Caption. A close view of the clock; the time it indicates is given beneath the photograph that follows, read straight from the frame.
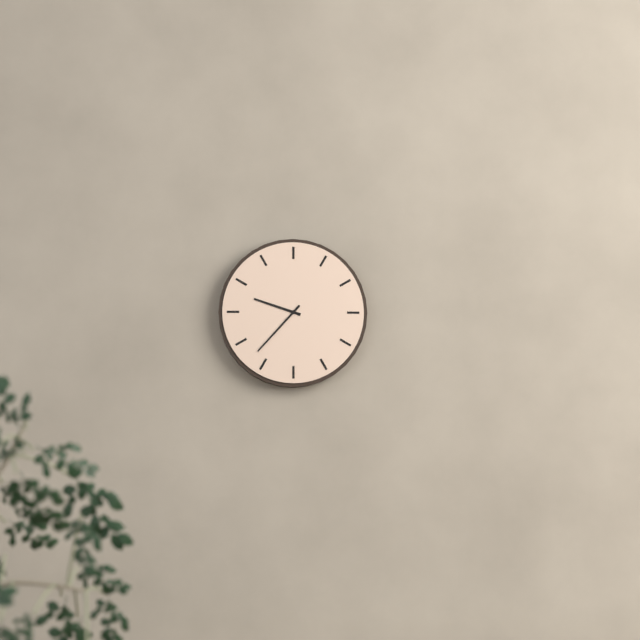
9:37
